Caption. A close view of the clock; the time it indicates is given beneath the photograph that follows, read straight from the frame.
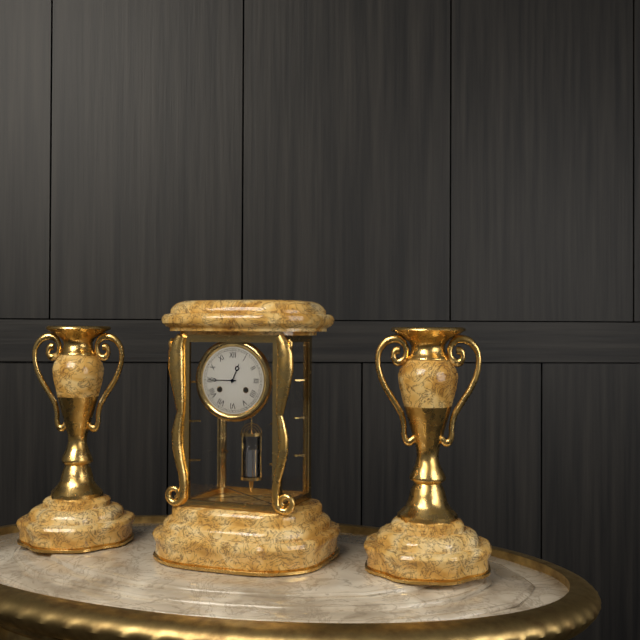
12:45
